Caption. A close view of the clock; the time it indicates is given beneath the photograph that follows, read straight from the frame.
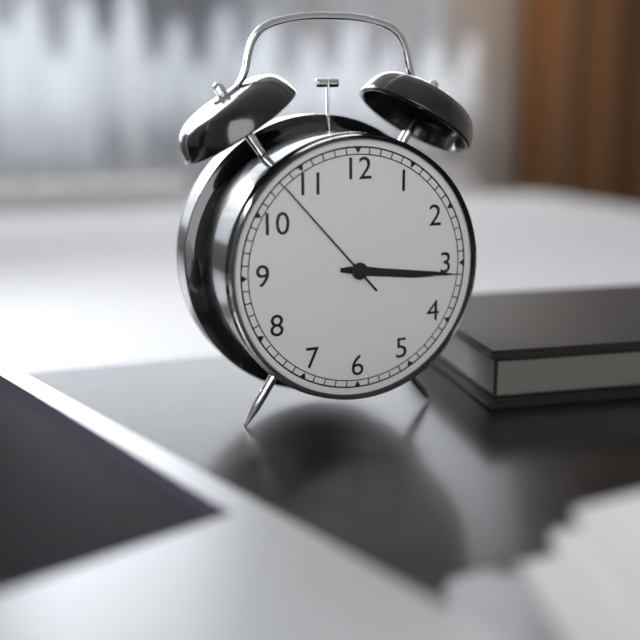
3:16:53
